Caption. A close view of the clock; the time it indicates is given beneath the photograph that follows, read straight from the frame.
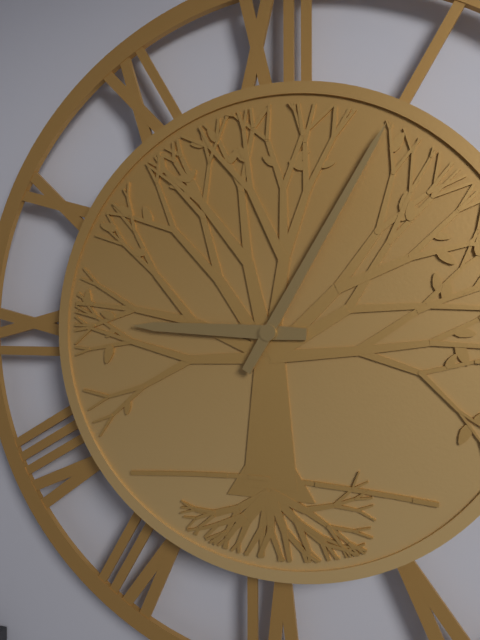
9:05
